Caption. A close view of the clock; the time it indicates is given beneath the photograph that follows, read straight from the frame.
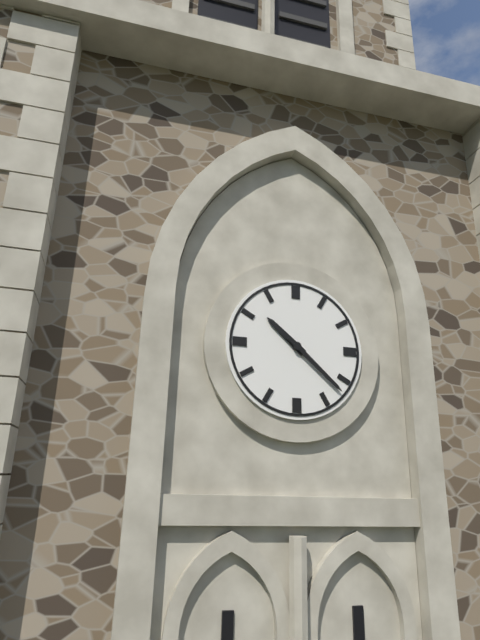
10:22
